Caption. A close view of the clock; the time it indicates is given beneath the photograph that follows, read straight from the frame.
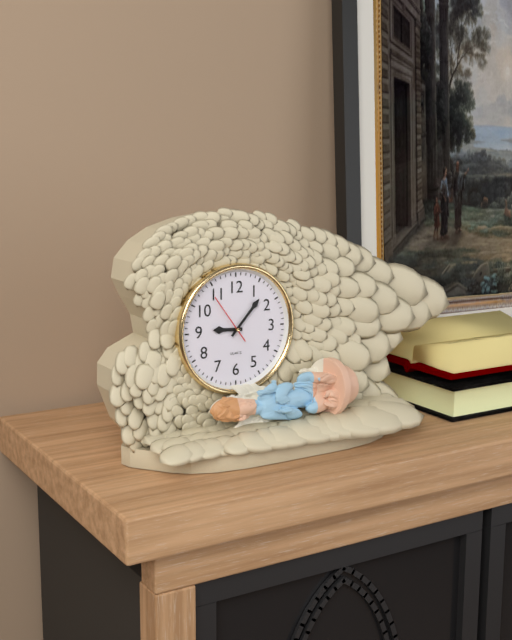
9:07
